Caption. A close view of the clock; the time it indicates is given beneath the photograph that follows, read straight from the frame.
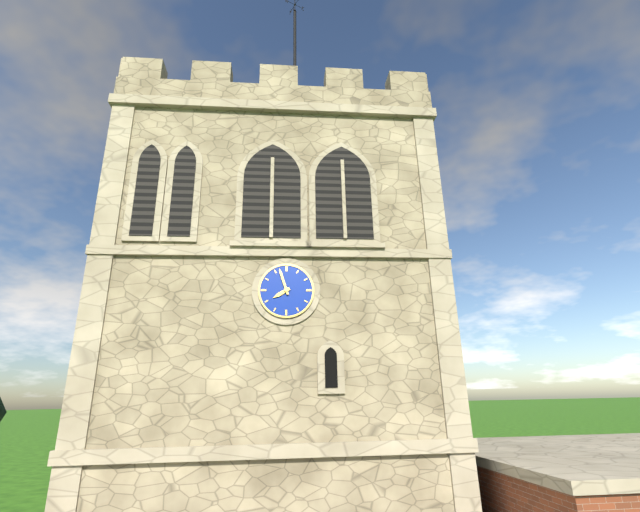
7:57
